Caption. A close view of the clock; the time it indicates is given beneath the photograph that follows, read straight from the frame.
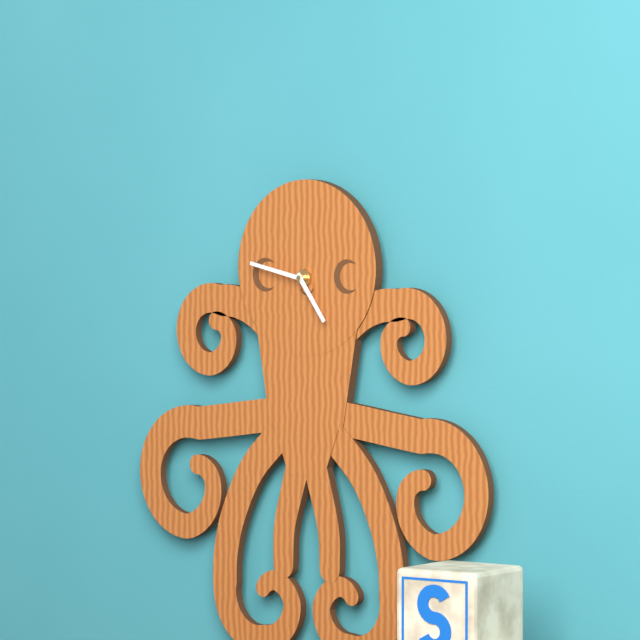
4:47
